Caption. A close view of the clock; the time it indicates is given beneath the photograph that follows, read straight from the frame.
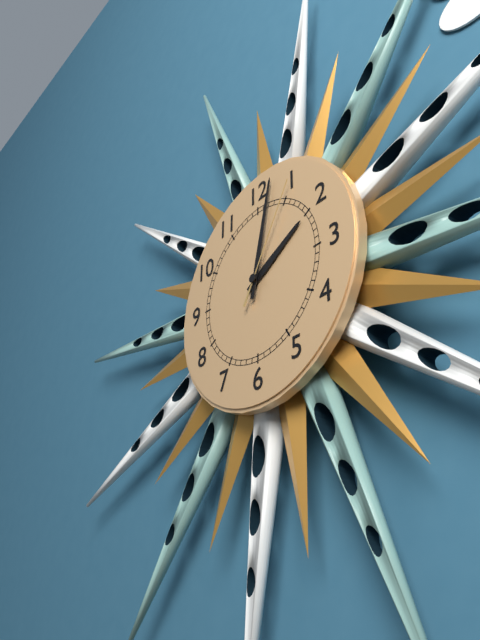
2:02:05
